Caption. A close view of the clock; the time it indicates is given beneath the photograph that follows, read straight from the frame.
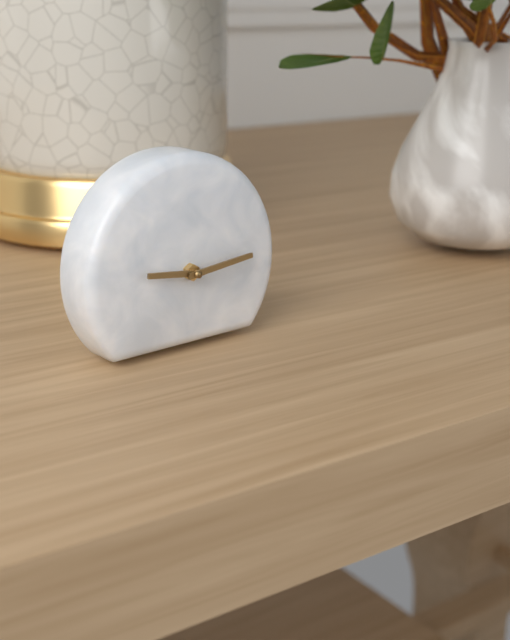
9:14
